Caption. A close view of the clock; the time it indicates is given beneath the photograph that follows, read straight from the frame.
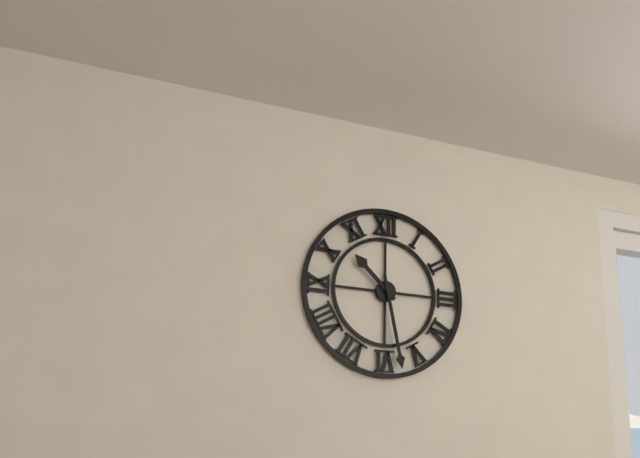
10:28
